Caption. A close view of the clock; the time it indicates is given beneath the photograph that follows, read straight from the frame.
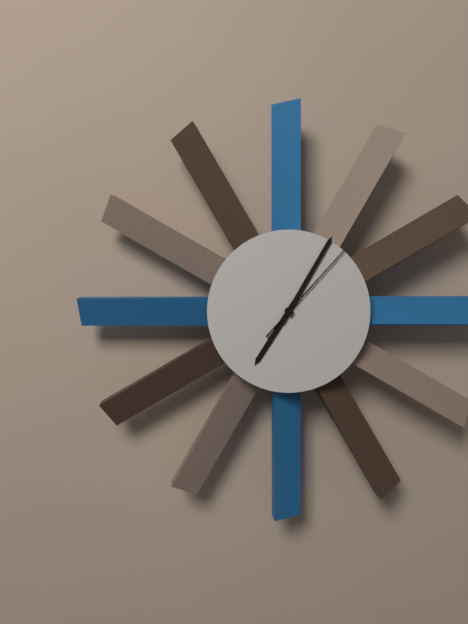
7:05:07
